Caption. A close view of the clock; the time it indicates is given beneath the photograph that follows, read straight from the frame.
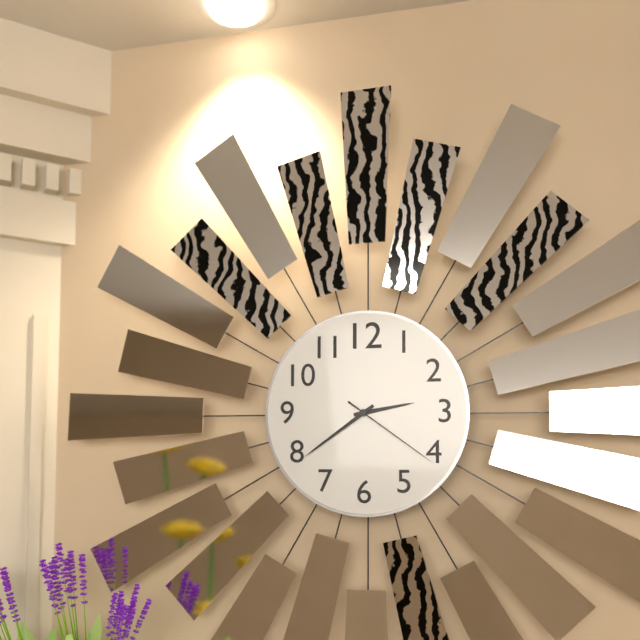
2:39:21
